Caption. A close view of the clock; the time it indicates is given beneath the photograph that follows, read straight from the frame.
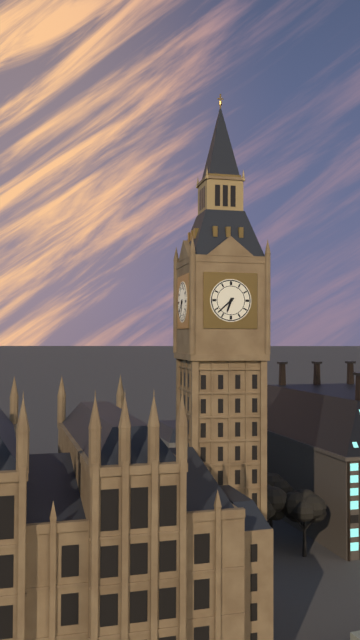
6:38
